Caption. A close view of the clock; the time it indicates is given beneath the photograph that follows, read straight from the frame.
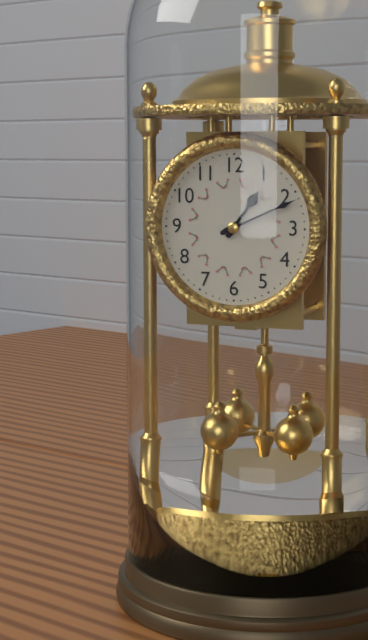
1:11
